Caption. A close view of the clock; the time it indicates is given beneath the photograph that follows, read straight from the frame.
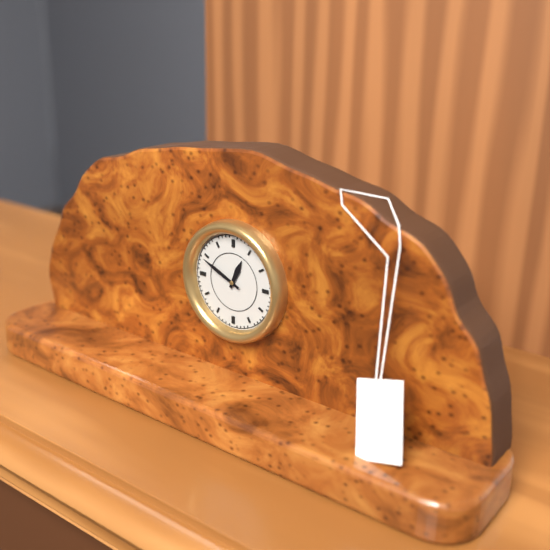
12:49
